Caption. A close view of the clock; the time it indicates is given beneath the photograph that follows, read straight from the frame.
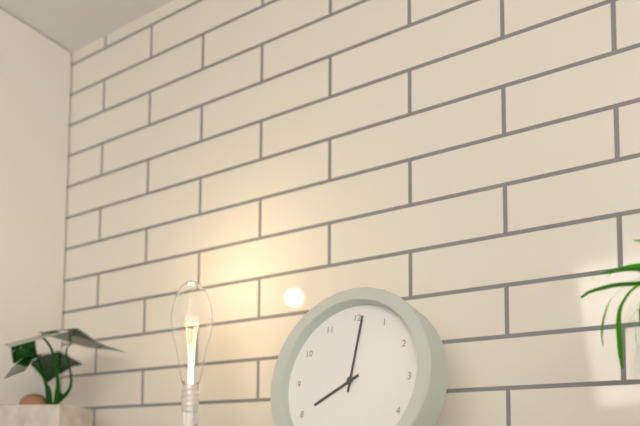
8:01
